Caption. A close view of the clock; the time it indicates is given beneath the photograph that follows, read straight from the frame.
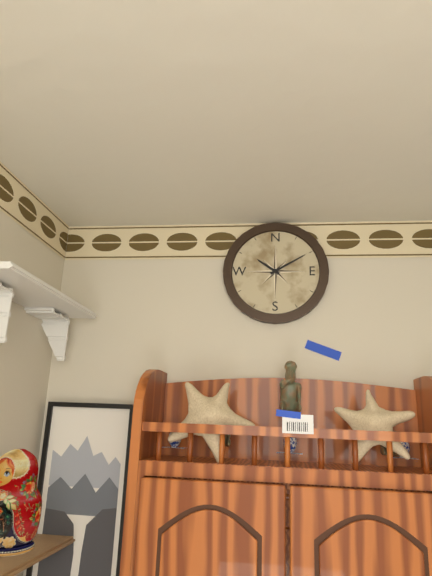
10:10
